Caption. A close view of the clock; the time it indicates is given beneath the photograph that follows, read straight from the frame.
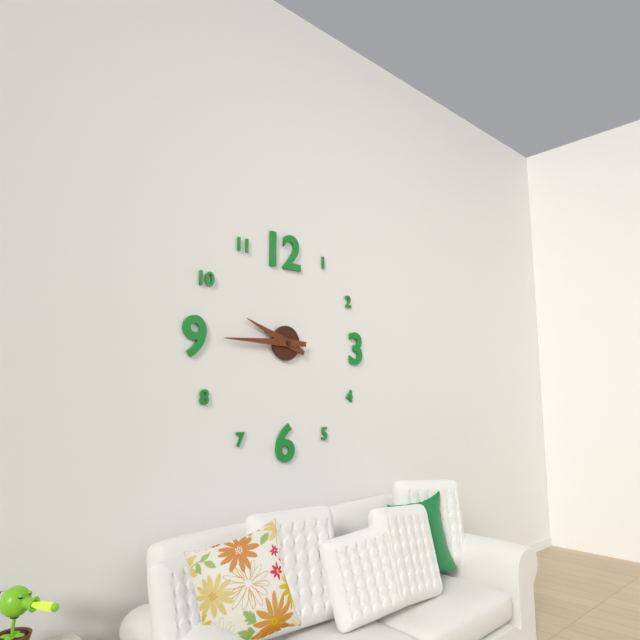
9:45
